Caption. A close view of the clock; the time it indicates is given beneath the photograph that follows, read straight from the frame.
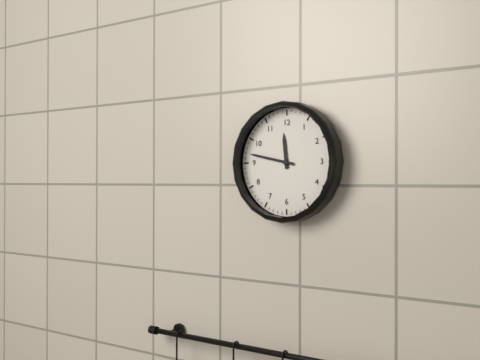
11:47
